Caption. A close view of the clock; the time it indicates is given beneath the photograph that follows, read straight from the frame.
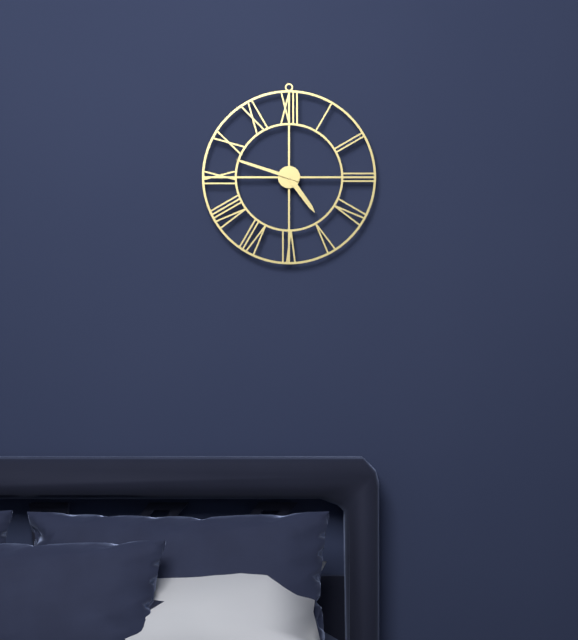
4:48
